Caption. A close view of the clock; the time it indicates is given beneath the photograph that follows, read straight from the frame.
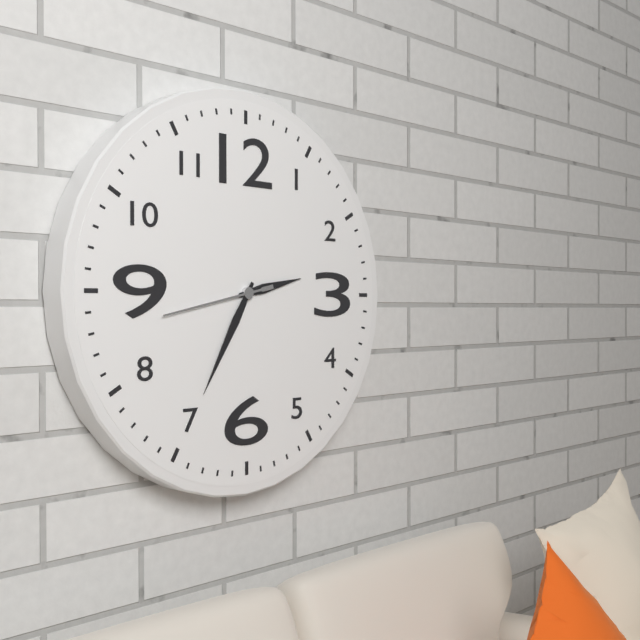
2:35:43
